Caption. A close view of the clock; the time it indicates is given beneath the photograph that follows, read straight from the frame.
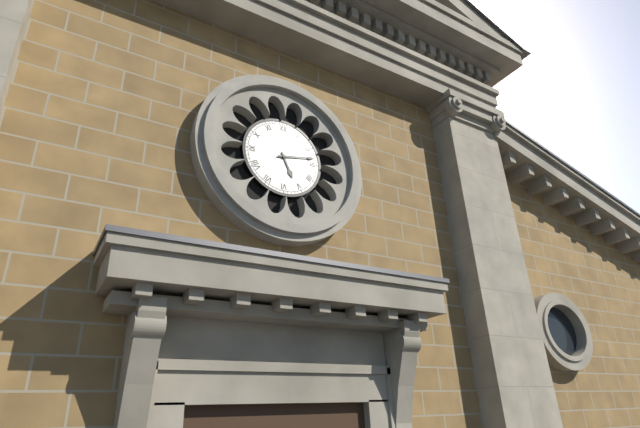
5:13
